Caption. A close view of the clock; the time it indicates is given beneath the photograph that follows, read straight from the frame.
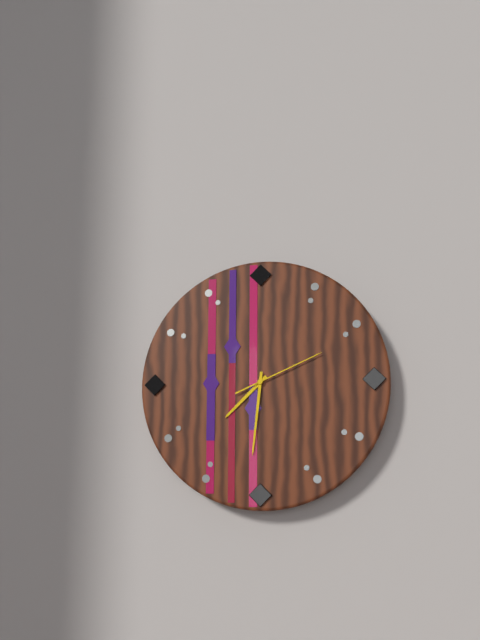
7:31:11
